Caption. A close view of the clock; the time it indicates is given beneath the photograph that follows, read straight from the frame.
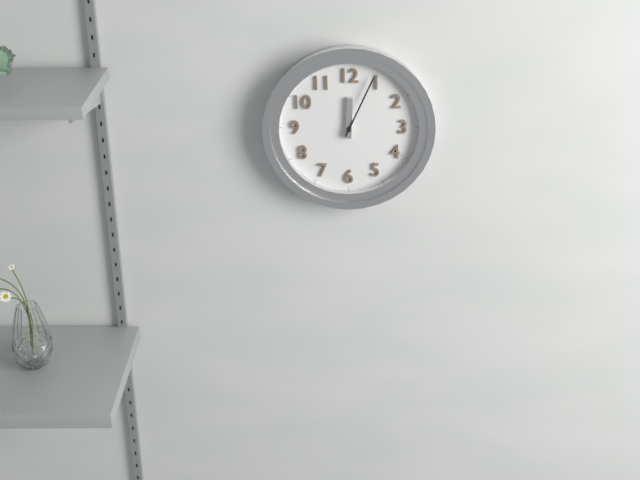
12:04
